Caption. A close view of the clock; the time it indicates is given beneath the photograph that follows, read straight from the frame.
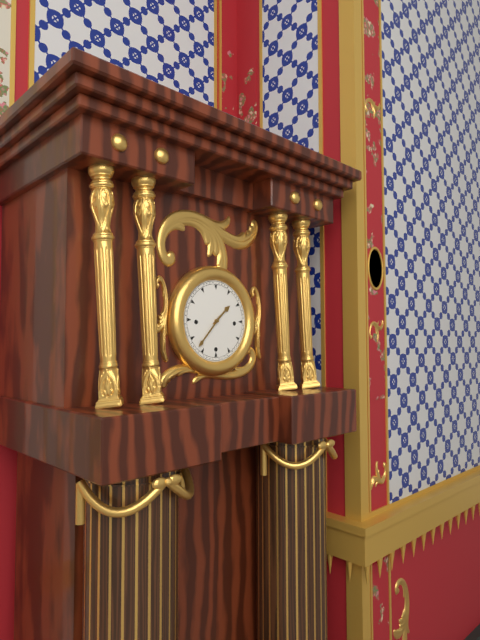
1:37
